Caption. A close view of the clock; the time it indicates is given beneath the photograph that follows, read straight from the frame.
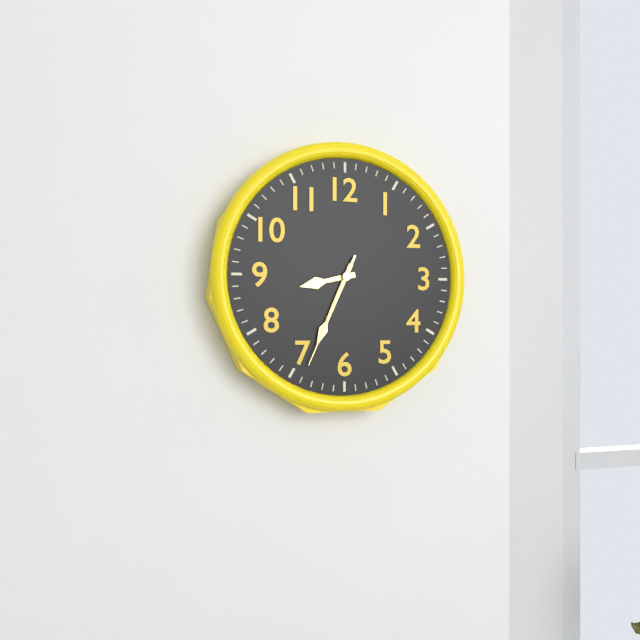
8:34:34
